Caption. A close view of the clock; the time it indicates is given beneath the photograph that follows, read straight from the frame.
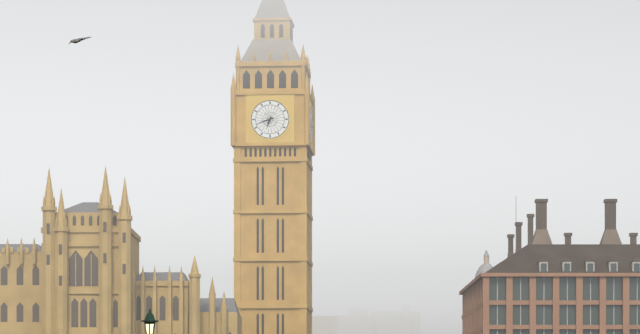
6:42
